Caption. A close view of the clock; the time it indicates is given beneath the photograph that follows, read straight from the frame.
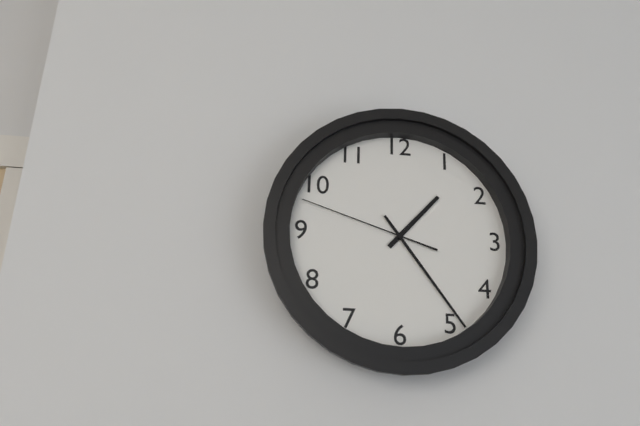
1:24:48
